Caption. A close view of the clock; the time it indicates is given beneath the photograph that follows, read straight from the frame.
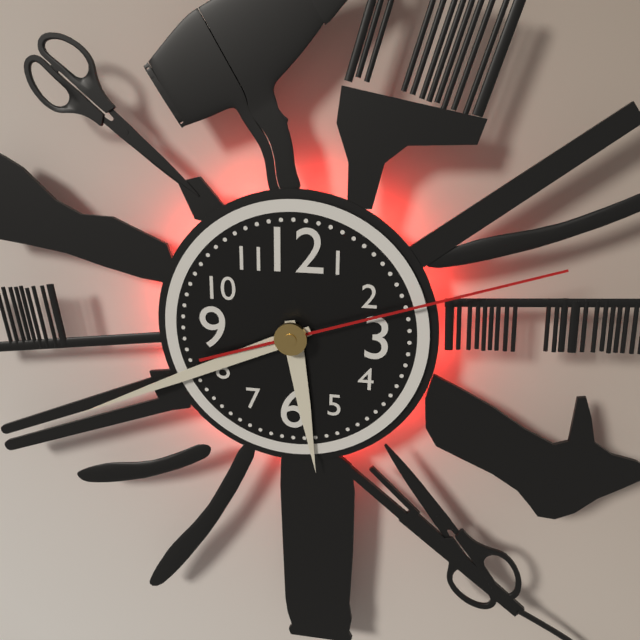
5:41:12
